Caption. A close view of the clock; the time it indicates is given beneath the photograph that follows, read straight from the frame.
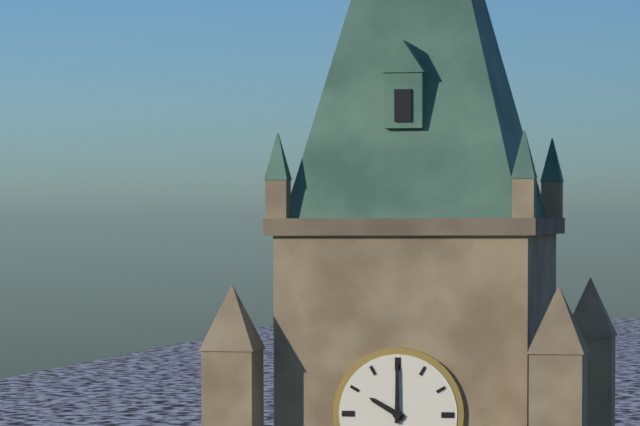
10:00
